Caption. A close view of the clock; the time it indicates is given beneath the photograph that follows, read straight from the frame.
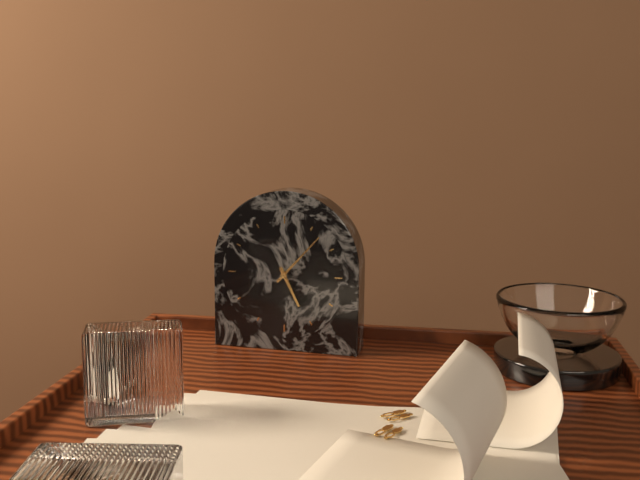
5:07
